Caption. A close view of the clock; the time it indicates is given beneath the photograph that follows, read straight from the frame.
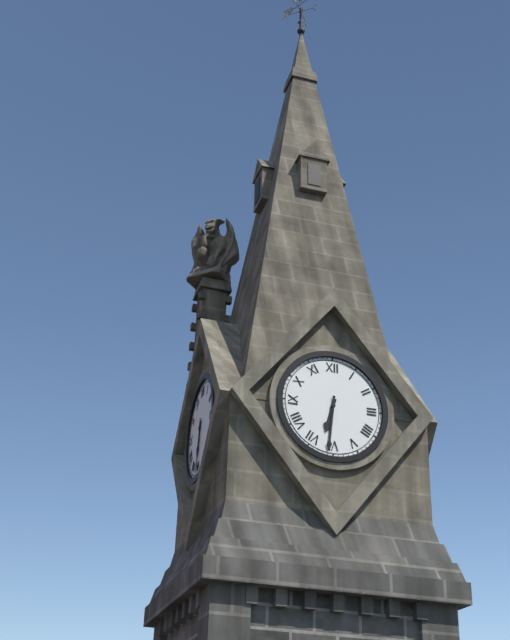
6:31
